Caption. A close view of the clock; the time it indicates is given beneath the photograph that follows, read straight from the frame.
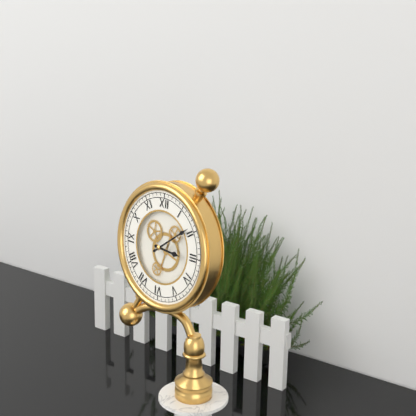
3:09
